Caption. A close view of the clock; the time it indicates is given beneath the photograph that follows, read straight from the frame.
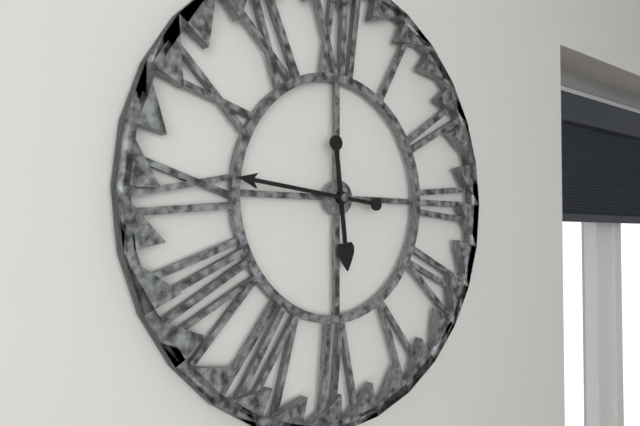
5:46
